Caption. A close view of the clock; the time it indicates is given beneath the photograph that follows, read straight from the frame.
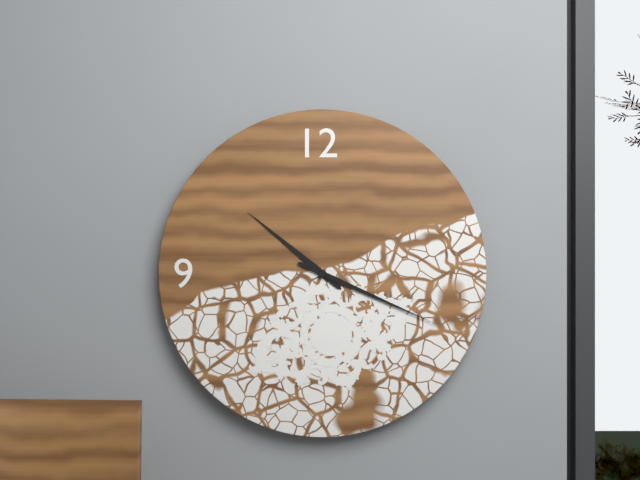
10:19
